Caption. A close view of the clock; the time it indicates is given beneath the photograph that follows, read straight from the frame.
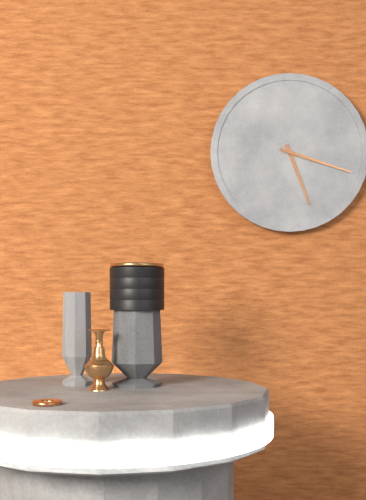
5:18
